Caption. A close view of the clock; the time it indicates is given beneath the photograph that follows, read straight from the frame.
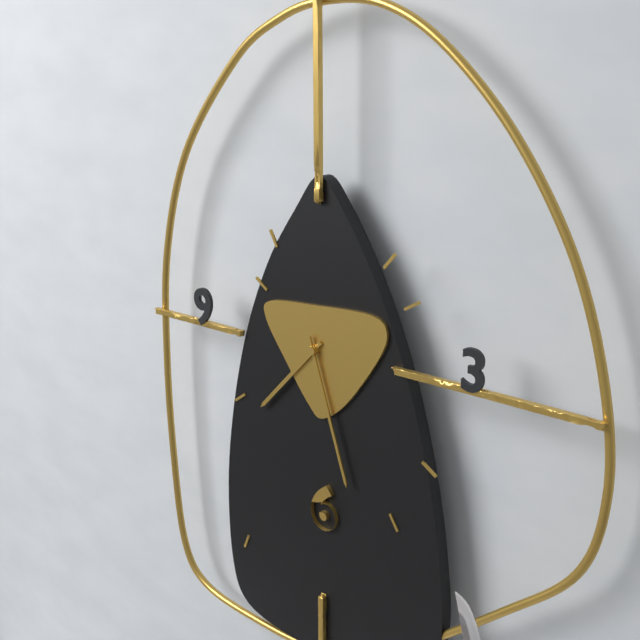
7:27
